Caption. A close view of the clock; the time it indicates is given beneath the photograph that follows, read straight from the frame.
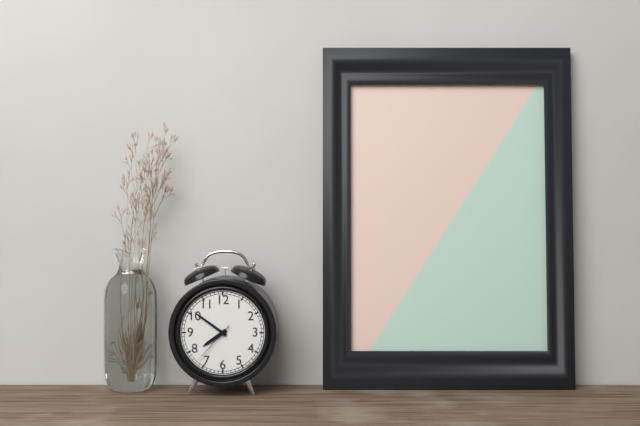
7:51
